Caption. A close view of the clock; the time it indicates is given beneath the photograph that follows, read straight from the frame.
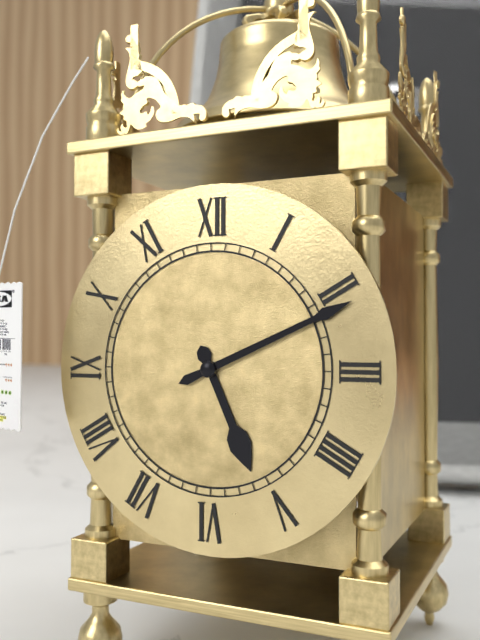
5:11
